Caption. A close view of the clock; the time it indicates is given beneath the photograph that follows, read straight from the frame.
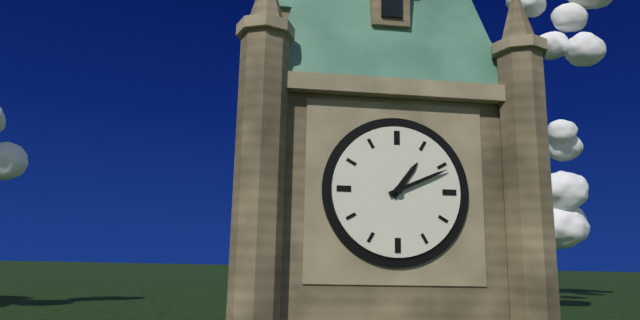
1:11
